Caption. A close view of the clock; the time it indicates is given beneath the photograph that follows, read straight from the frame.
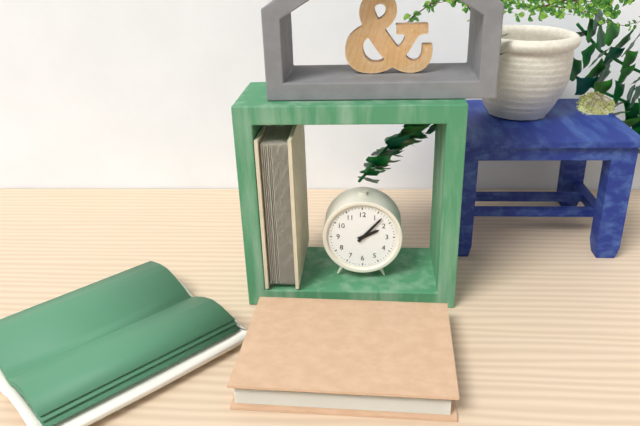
2:07
